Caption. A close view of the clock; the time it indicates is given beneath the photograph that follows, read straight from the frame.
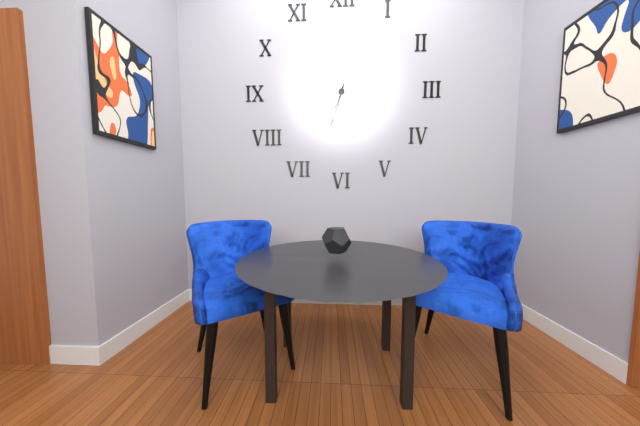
6:33
